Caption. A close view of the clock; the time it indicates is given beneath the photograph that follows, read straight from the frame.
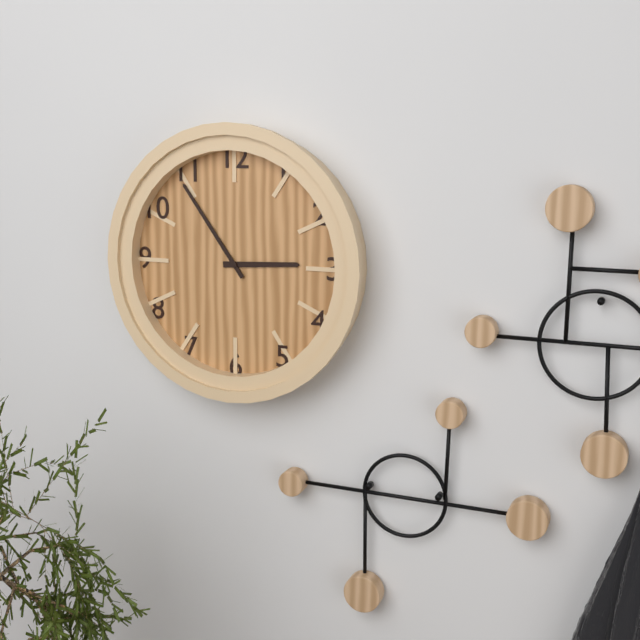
2:54
